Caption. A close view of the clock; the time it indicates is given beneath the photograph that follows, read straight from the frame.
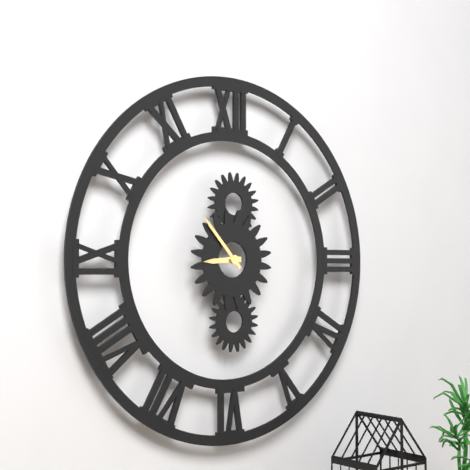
8:53
